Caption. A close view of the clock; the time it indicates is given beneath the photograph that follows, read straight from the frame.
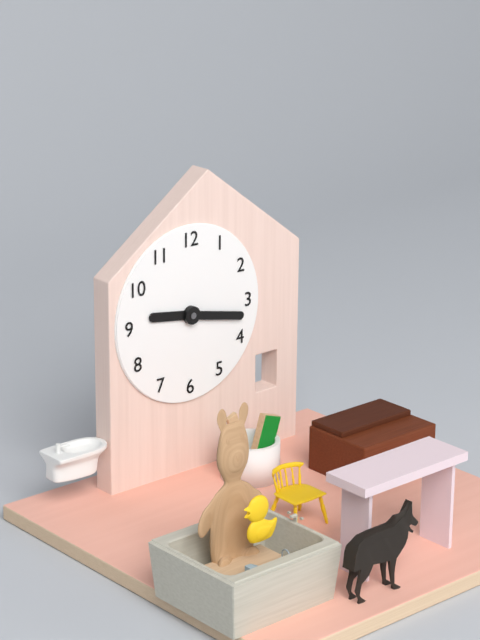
9:17
